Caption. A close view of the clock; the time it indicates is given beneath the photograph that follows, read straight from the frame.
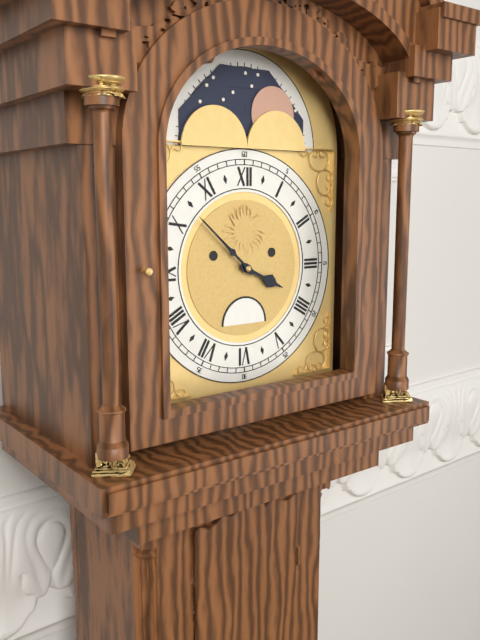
3:52
